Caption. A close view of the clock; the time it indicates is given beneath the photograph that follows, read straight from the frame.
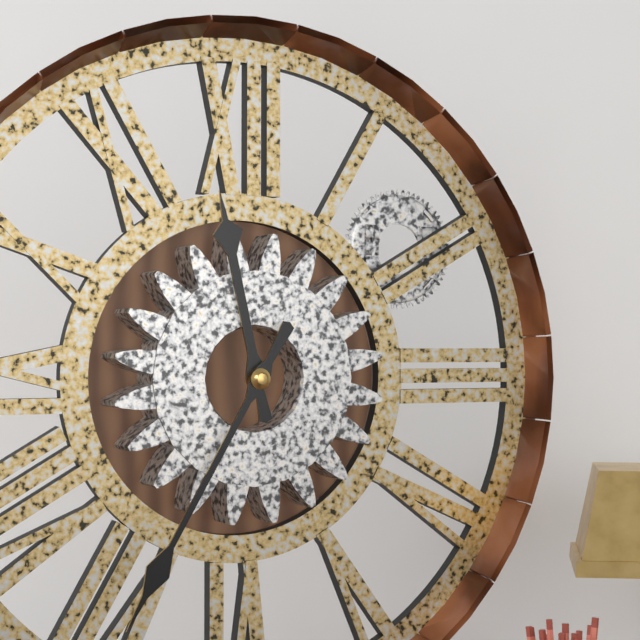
11:35
